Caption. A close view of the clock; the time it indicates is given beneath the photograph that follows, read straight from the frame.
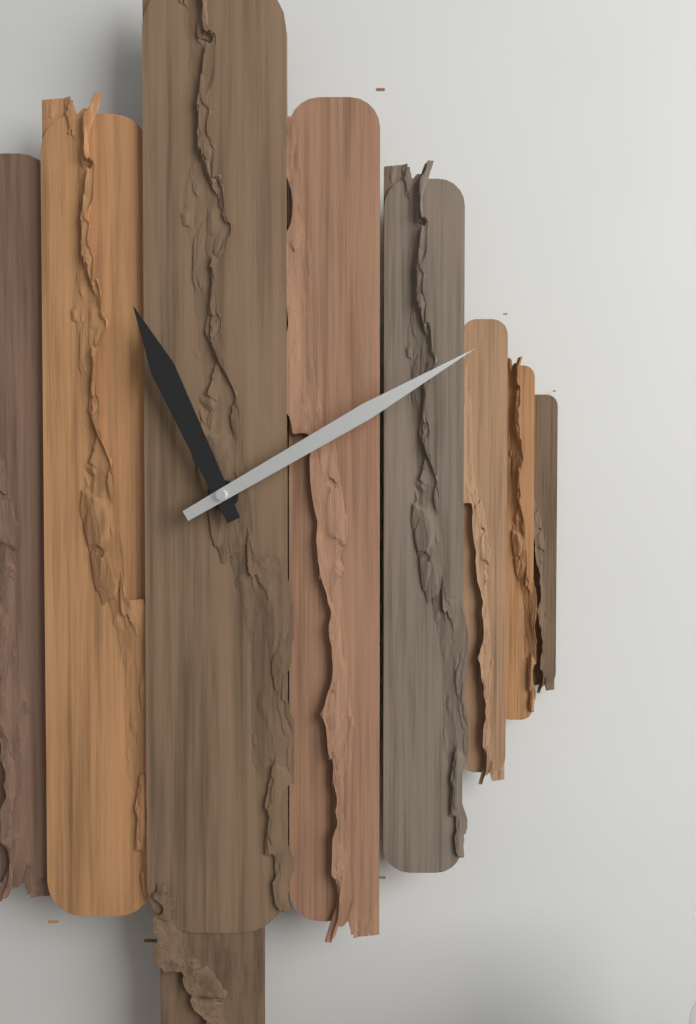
11:10
